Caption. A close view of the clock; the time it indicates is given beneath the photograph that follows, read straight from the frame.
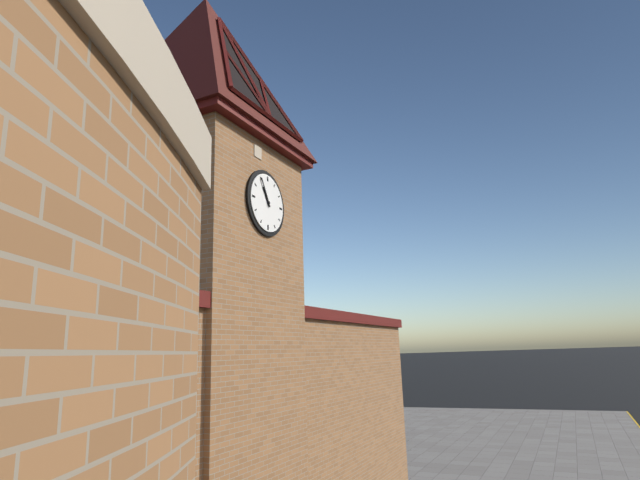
10:55
